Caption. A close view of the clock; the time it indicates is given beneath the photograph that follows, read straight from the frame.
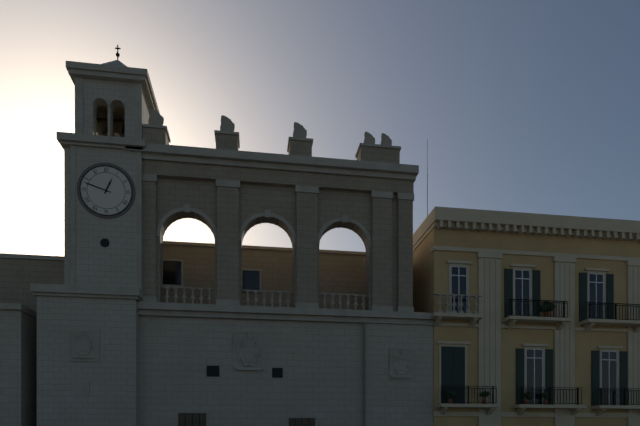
12:48
